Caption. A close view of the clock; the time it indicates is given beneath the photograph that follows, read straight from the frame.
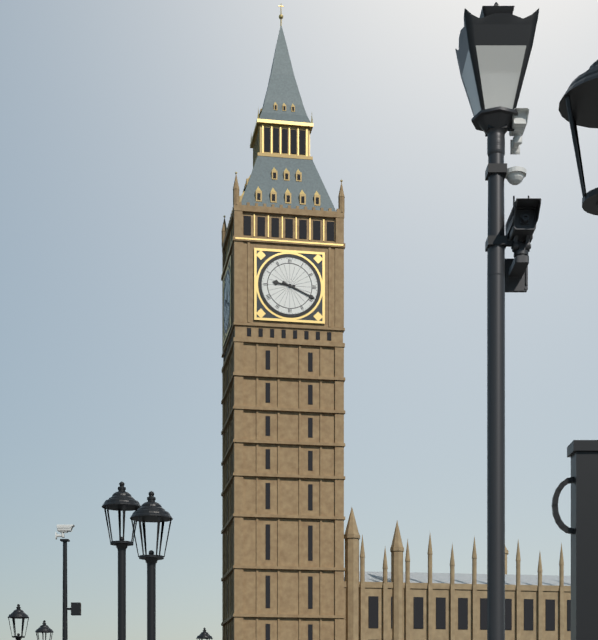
9:19
